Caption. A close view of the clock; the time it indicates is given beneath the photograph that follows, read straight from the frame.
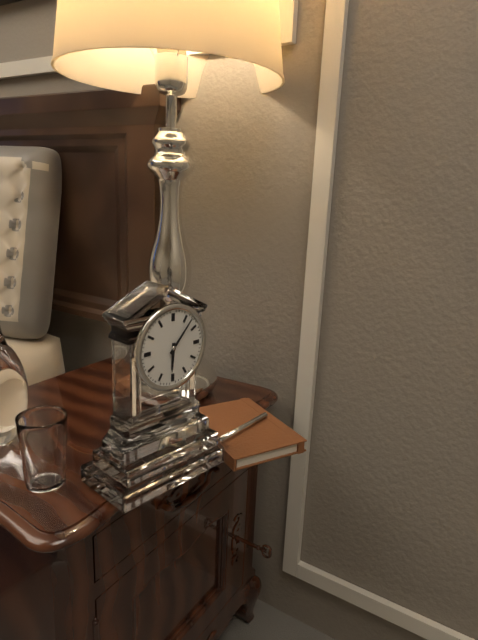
6:07
